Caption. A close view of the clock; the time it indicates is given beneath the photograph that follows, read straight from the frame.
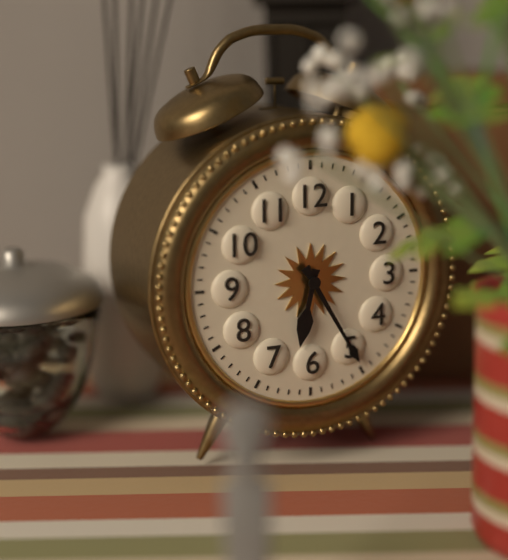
6:25
